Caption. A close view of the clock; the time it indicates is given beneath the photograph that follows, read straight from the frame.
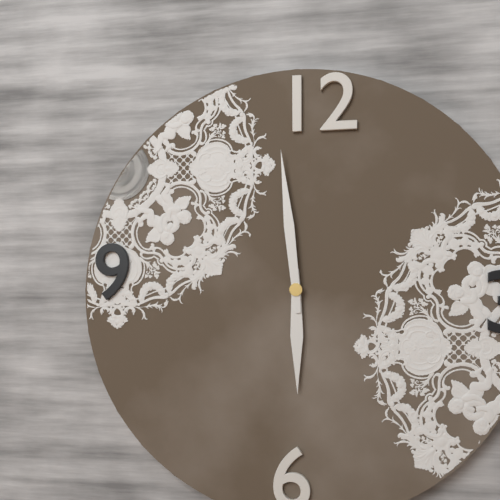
5:59
